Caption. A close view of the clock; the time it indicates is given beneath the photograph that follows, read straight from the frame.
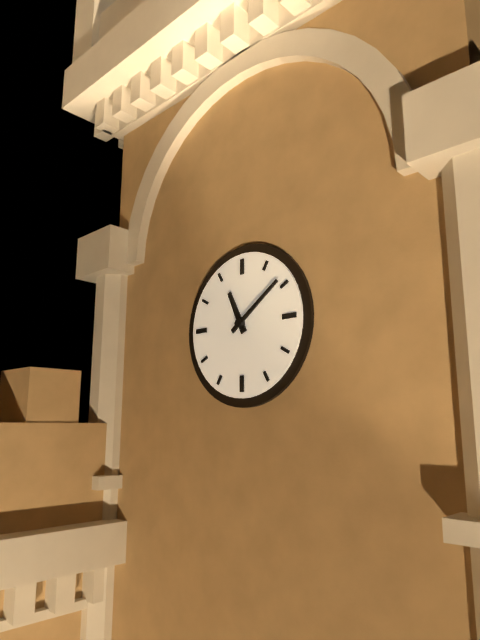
11:09
